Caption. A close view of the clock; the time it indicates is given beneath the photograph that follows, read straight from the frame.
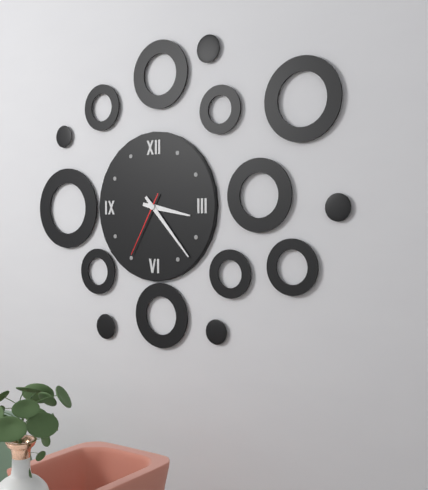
3:23:35
